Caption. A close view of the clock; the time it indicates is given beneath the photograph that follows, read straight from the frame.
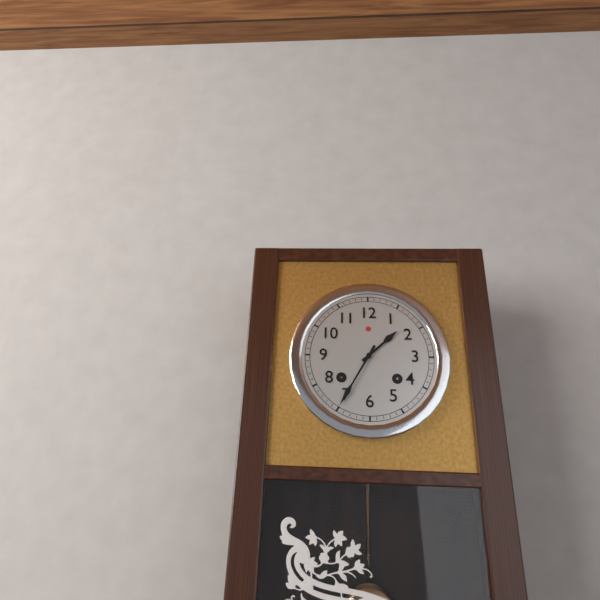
1:35
